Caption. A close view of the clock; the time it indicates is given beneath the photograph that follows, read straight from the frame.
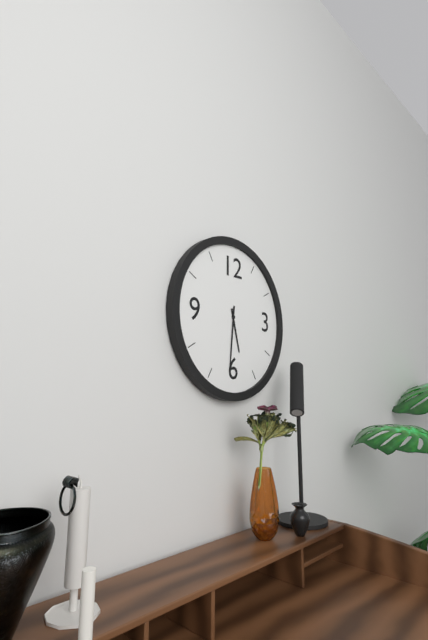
5:31
